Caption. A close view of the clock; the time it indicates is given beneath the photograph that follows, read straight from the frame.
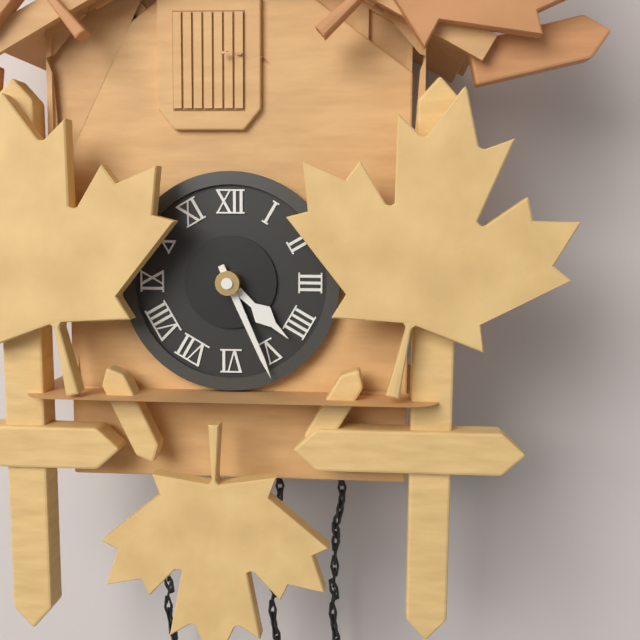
4:26
